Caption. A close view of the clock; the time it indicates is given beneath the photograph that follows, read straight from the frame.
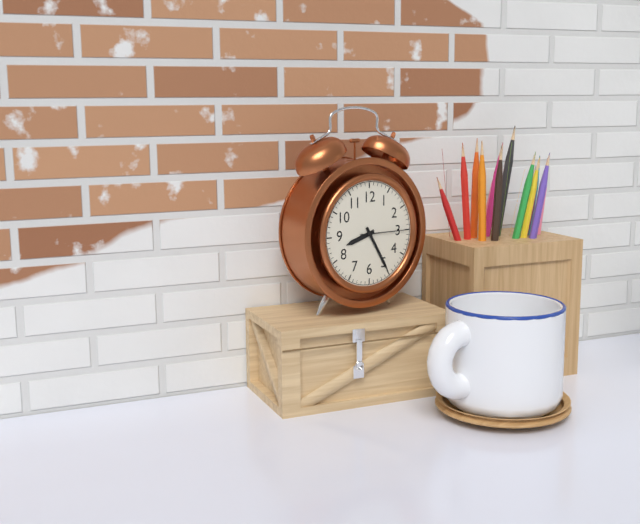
8:25
